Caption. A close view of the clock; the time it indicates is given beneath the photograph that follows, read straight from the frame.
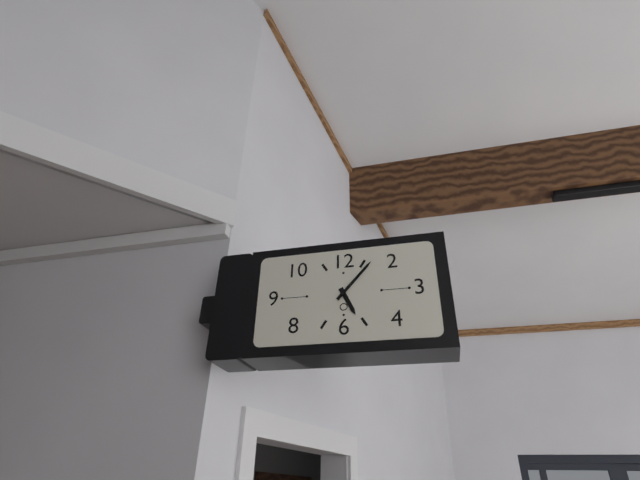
5:07
